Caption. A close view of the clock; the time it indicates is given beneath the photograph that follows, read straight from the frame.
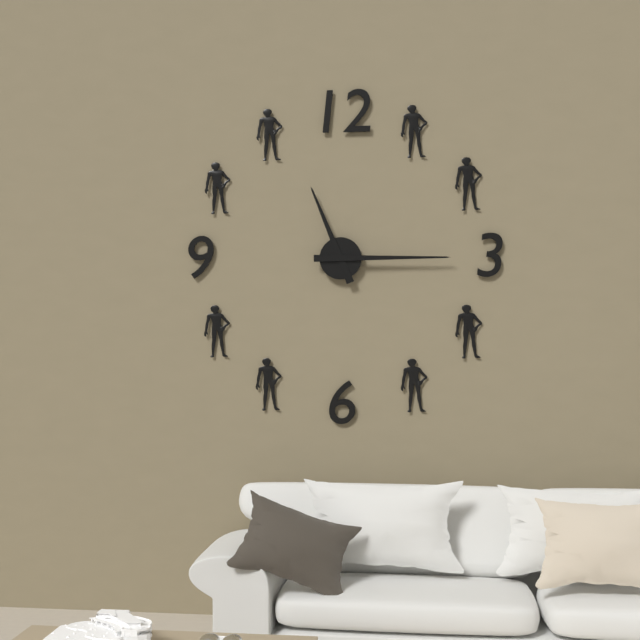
11:15
